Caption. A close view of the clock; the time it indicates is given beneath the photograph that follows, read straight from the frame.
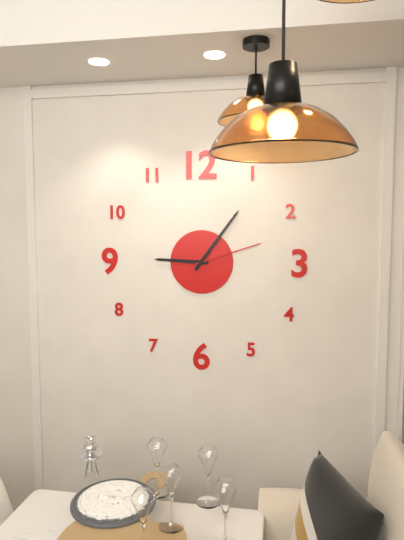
9:06:12
